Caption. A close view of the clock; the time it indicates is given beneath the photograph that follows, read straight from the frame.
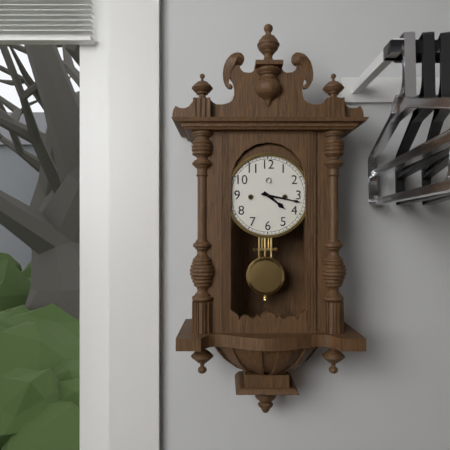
4:17
